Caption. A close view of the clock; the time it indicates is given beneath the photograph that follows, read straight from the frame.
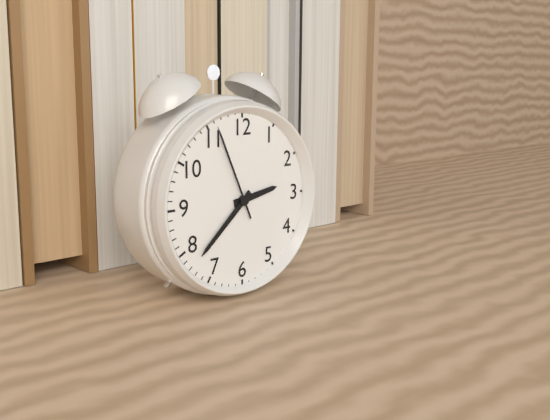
2:38:56
